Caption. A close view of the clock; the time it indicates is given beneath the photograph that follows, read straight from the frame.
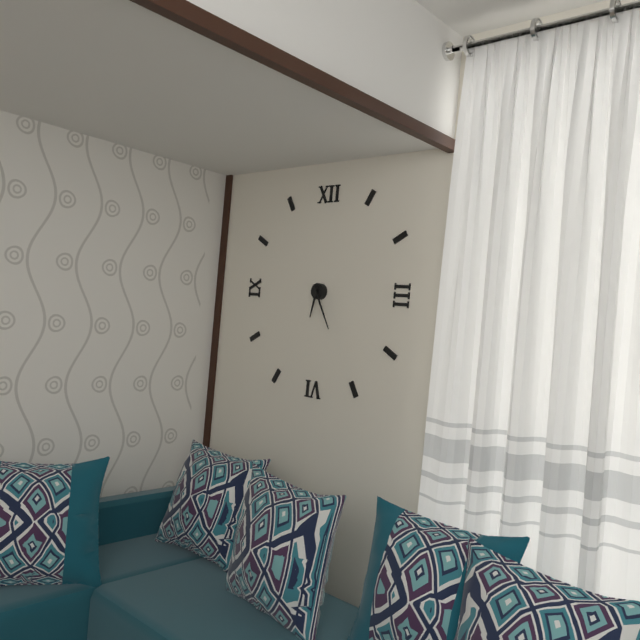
6:25
